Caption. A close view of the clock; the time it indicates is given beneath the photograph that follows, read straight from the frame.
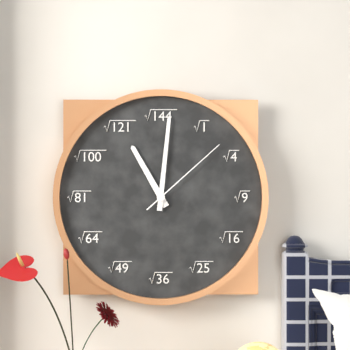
11:01:08
